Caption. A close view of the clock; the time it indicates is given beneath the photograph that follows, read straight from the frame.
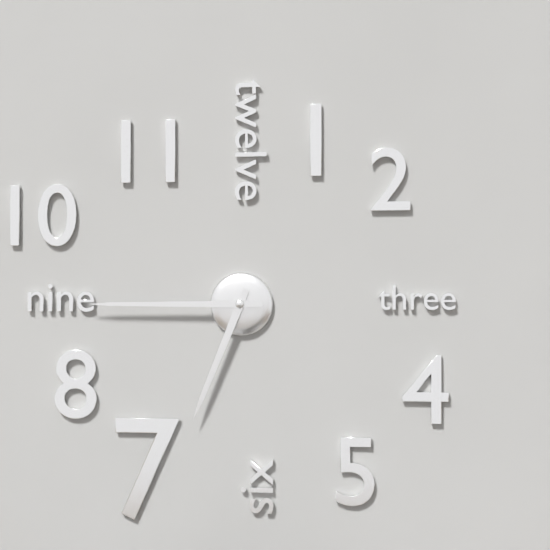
6:45
